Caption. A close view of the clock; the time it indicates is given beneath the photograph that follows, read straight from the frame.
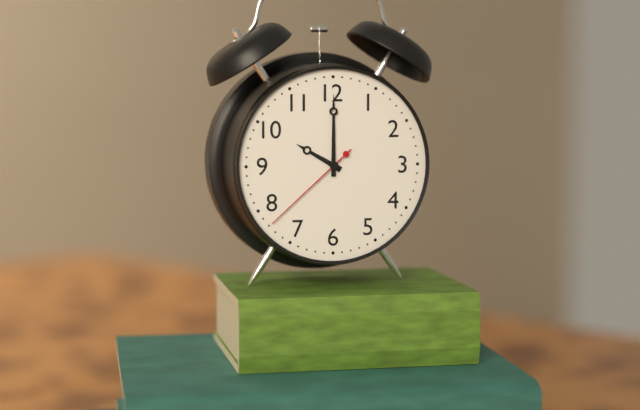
10:00:38
